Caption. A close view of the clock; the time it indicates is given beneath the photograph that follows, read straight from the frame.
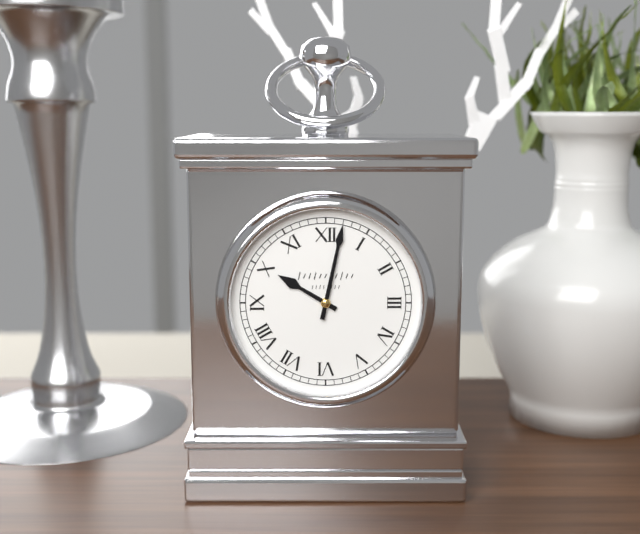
10:02
